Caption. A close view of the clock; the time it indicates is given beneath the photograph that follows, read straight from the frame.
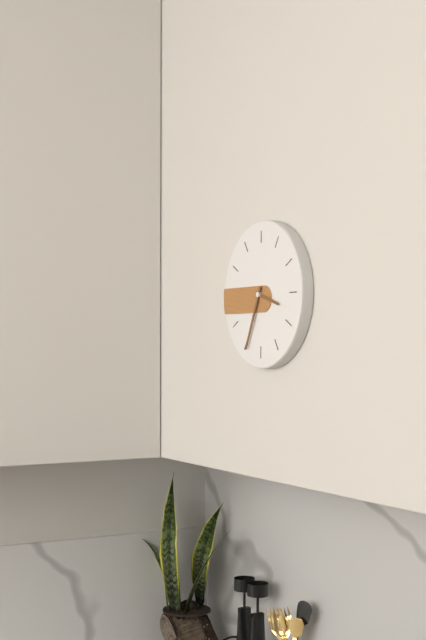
3:34
